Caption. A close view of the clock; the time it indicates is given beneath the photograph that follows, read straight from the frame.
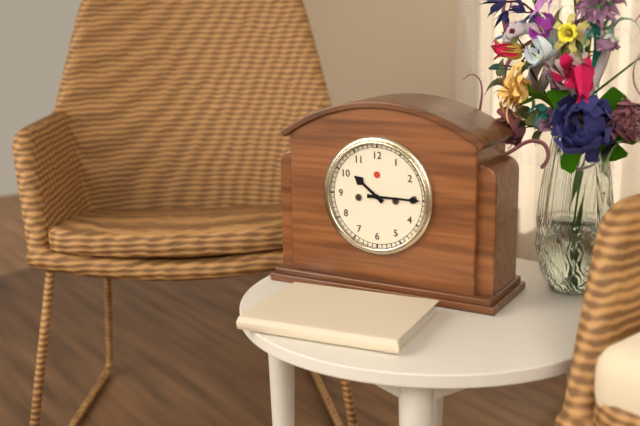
10:15
